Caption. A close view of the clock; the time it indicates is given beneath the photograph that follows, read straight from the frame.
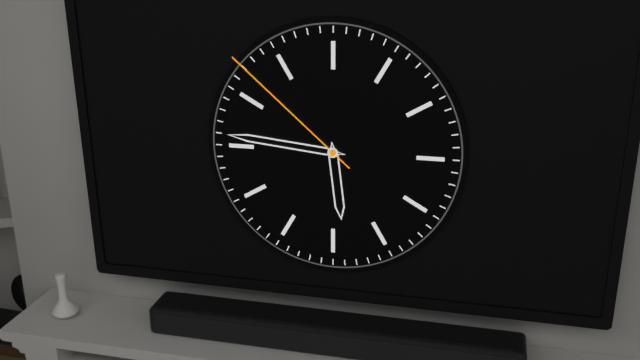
5:46:52
